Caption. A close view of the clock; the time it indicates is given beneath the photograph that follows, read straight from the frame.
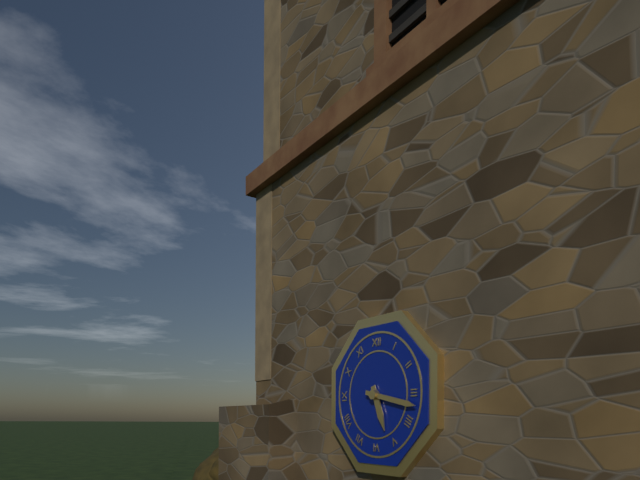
5:17
